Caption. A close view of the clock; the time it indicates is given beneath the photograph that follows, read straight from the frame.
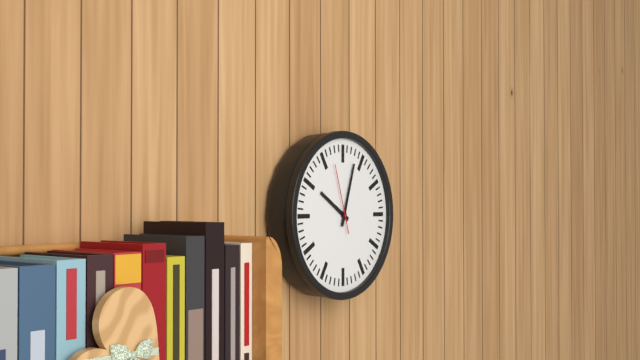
10:03:57
